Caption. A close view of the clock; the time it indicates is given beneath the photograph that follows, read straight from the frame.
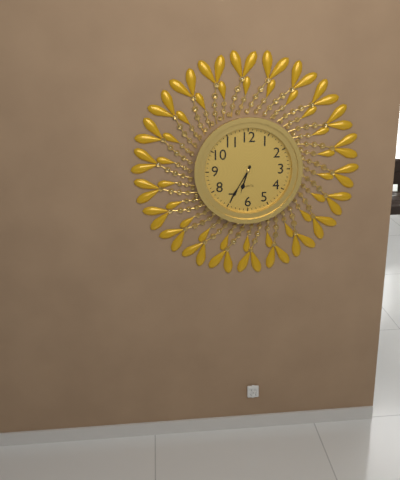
6:35
